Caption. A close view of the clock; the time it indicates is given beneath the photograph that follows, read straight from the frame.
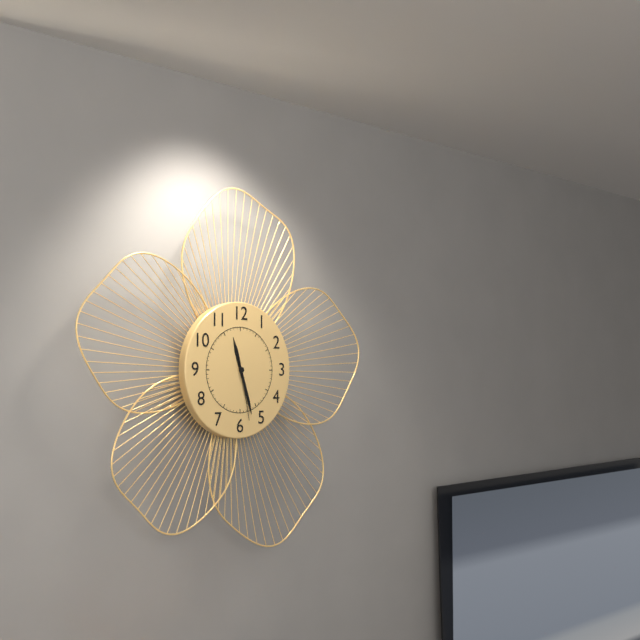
11:27:28
